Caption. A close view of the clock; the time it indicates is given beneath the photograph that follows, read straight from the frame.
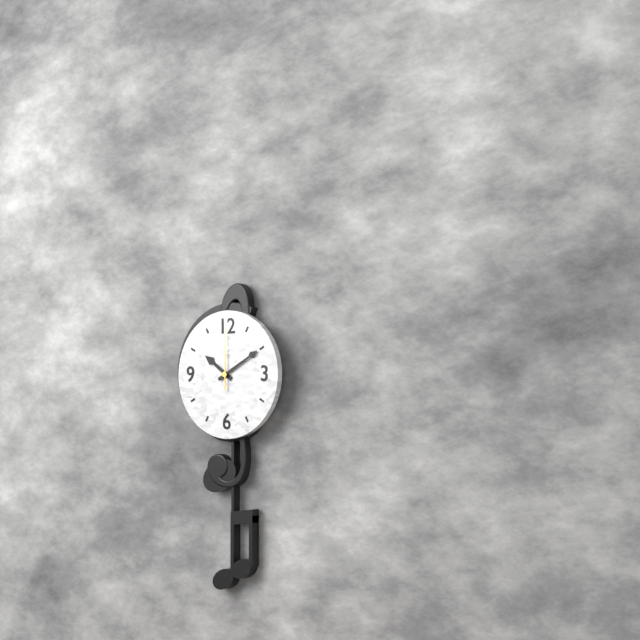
10:10:00
